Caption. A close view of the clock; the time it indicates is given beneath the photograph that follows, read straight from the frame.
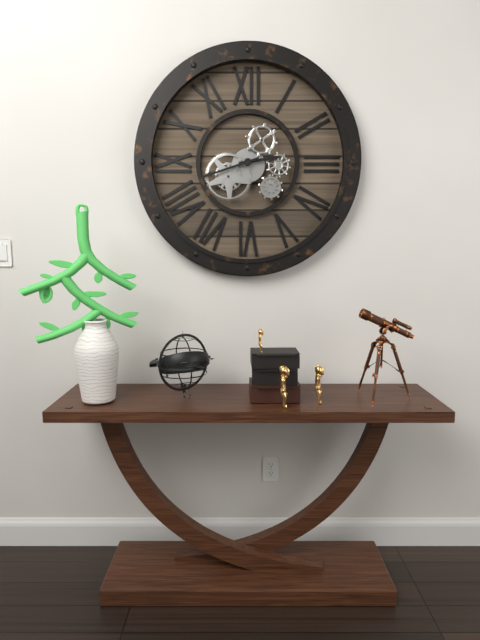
2:42
